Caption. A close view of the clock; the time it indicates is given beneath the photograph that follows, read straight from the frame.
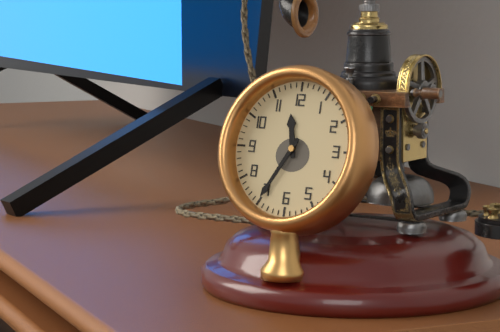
11:35
